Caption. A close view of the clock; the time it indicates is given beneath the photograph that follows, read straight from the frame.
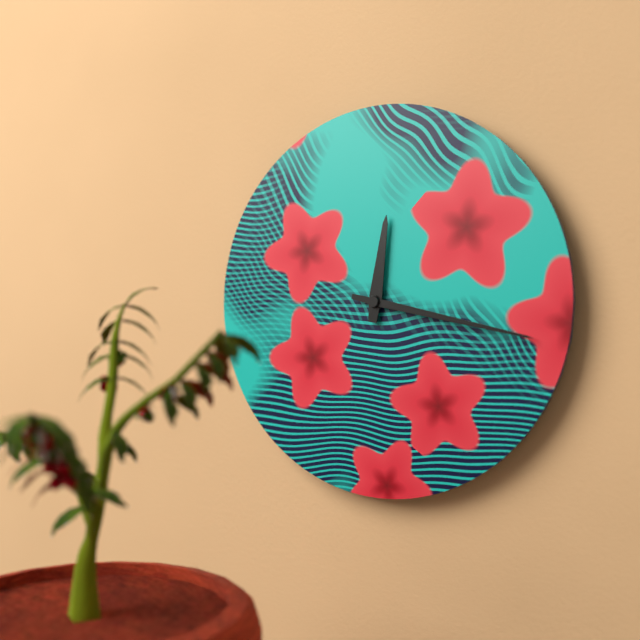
12:17
